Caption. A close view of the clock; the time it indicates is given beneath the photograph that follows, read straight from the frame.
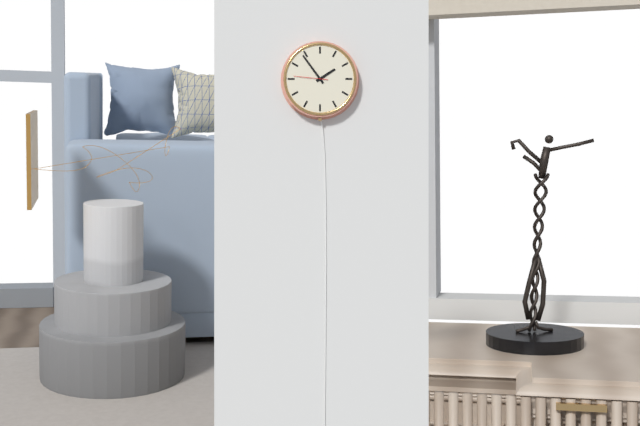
1:54
